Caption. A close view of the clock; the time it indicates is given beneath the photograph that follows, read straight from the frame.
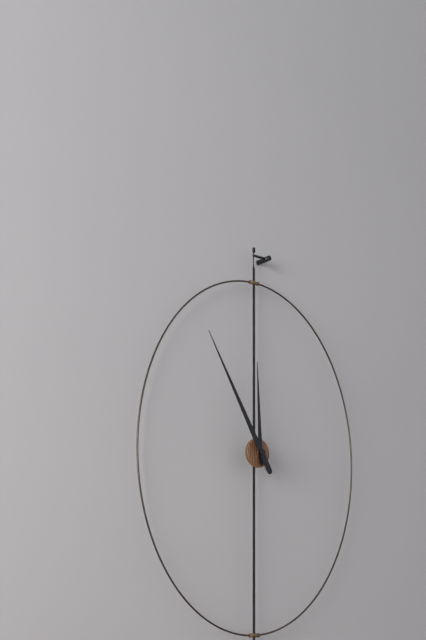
11:55
